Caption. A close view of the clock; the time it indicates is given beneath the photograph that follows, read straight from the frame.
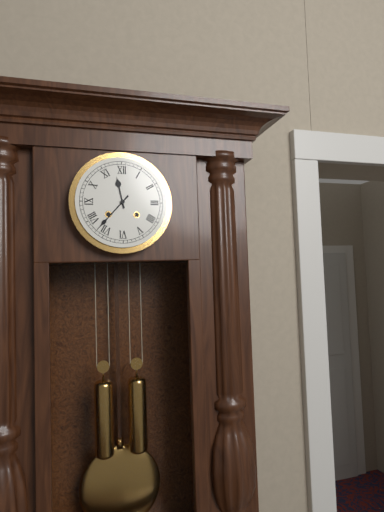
11:37
